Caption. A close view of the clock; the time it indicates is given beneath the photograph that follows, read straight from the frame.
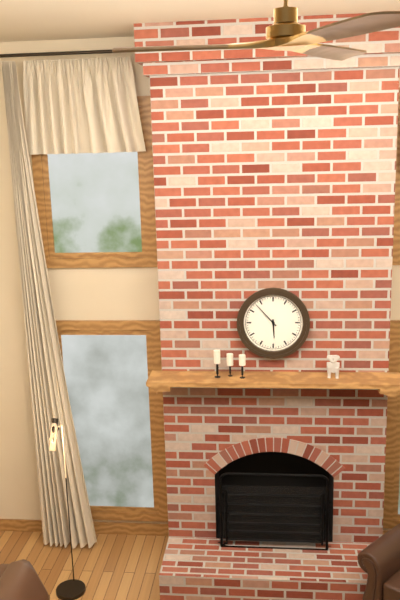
5:53
